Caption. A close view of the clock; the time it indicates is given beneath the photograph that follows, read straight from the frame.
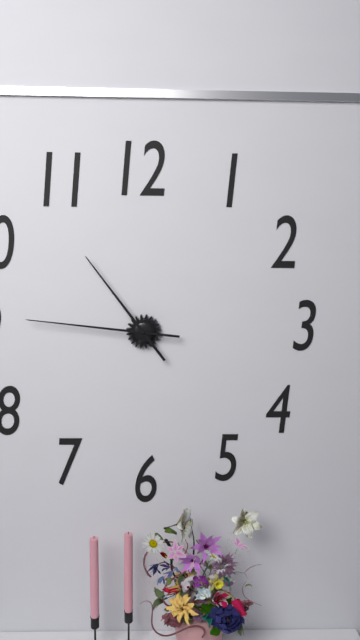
10:46
